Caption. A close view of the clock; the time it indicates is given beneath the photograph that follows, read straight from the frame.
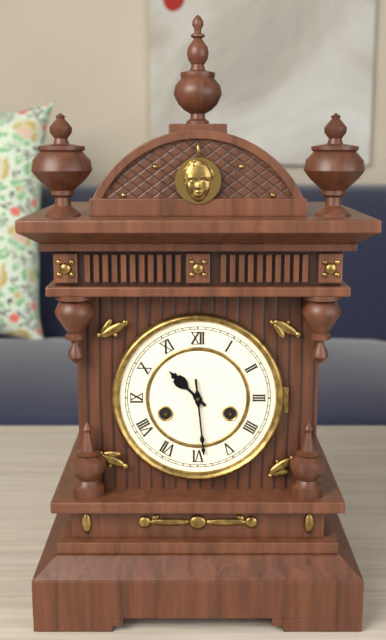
10:29
